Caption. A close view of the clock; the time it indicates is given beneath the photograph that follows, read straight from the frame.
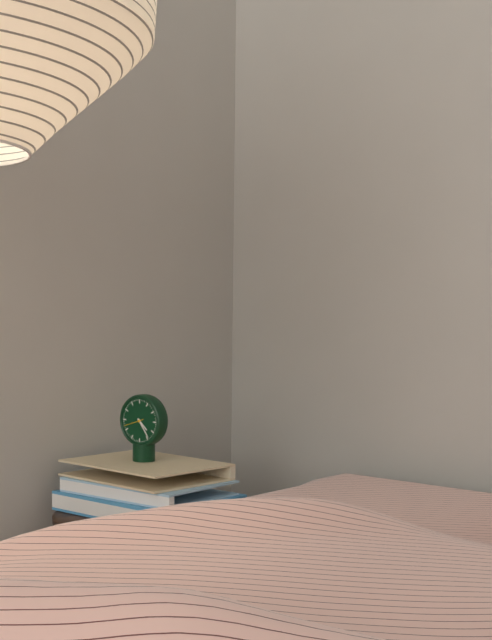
4:24
